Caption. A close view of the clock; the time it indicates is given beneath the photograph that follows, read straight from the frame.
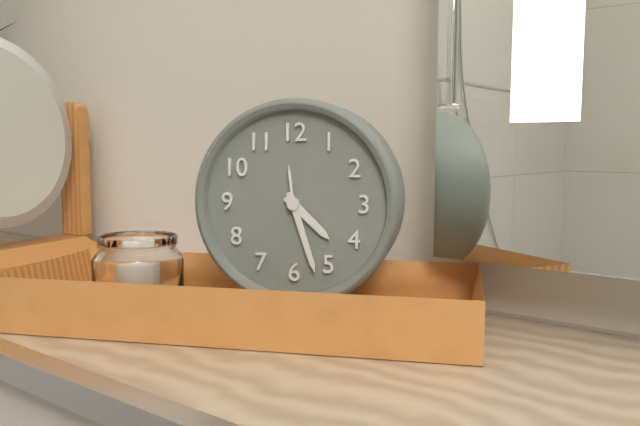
4:27
